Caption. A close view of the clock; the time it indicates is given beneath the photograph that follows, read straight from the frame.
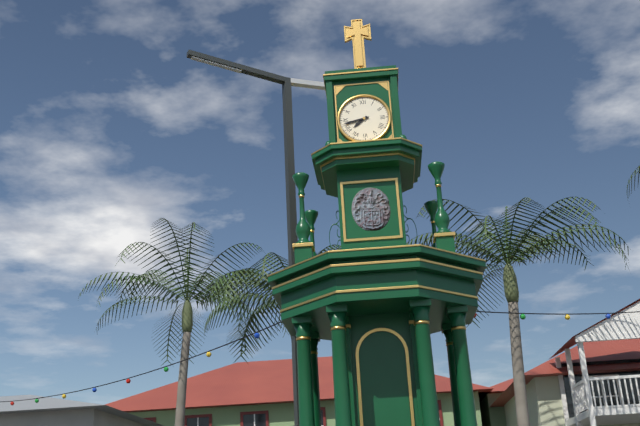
7:43
